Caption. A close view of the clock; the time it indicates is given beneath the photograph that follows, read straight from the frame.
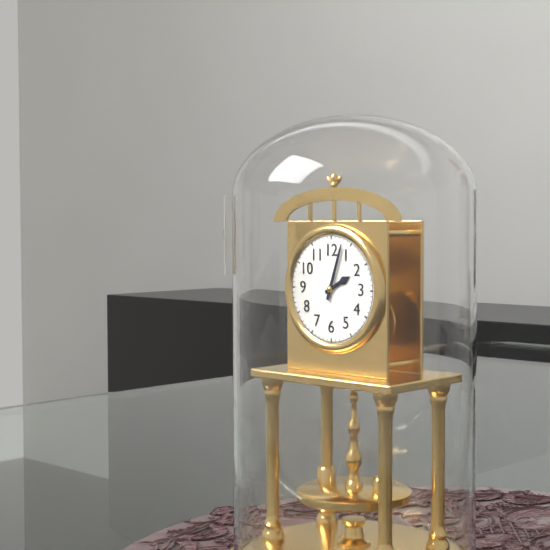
2:03
